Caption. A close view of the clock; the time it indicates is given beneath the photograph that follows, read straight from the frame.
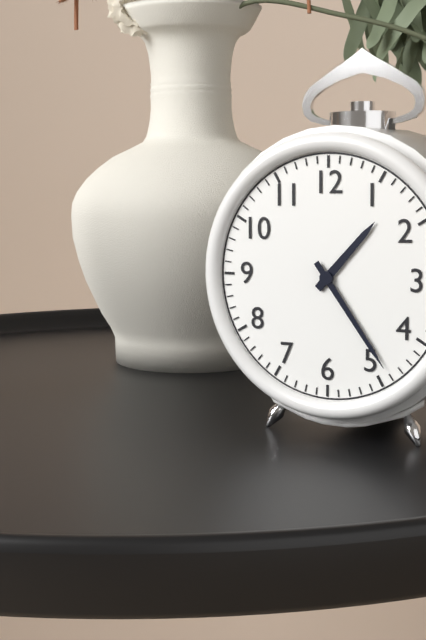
1:24
